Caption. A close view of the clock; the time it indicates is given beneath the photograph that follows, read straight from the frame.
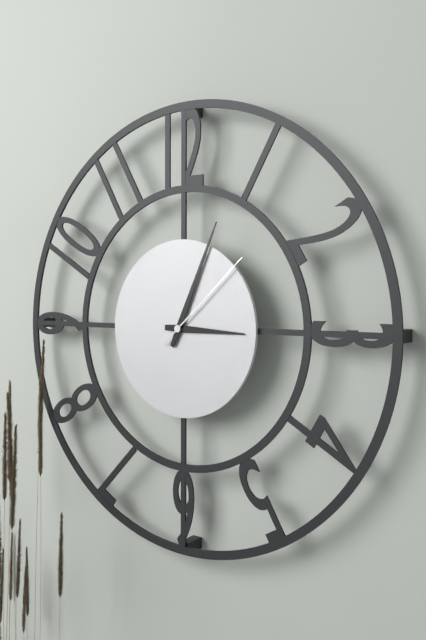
3:04:08
